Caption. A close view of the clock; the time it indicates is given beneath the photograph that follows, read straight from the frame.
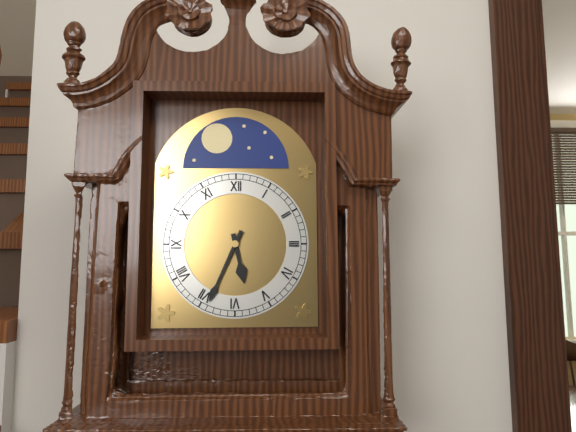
5:34
